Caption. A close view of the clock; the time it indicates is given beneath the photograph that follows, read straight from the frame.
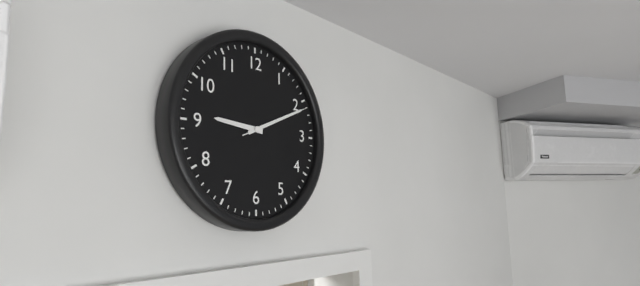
9:11:11
